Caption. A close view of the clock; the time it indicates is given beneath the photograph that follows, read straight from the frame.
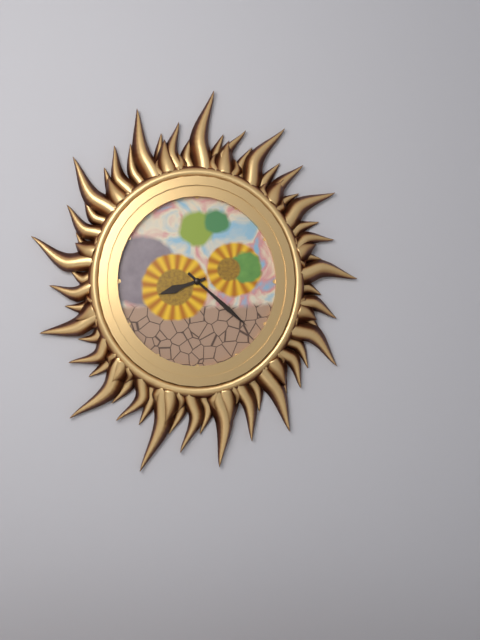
8:22
